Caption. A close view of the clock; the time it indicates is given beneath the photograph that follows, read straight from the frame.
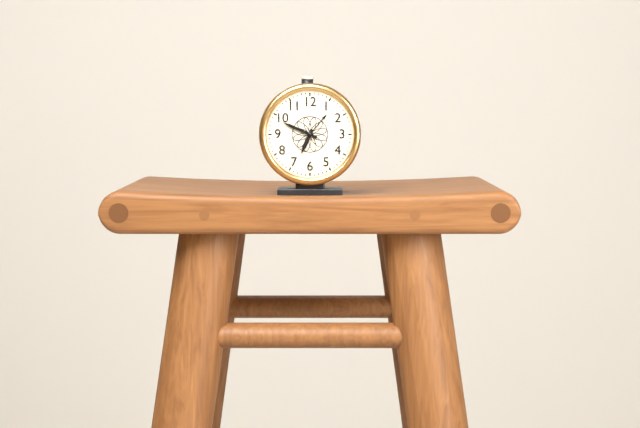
6:49
